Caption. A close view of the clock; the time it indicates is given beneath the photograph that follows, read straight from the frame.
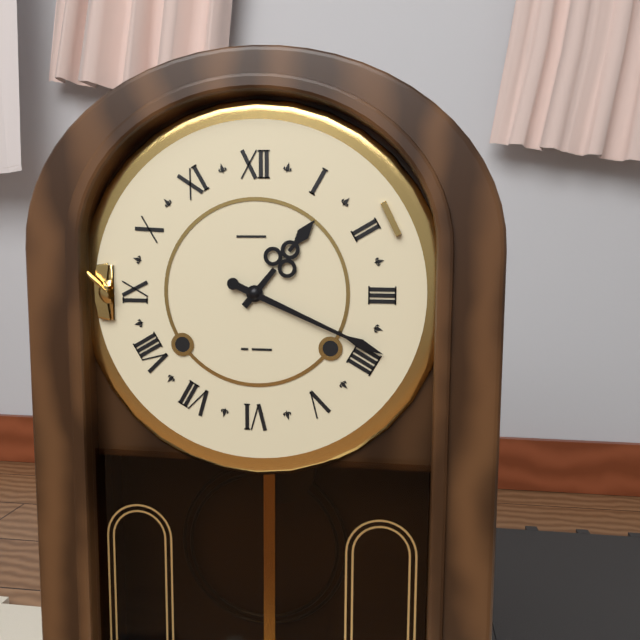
1:19
